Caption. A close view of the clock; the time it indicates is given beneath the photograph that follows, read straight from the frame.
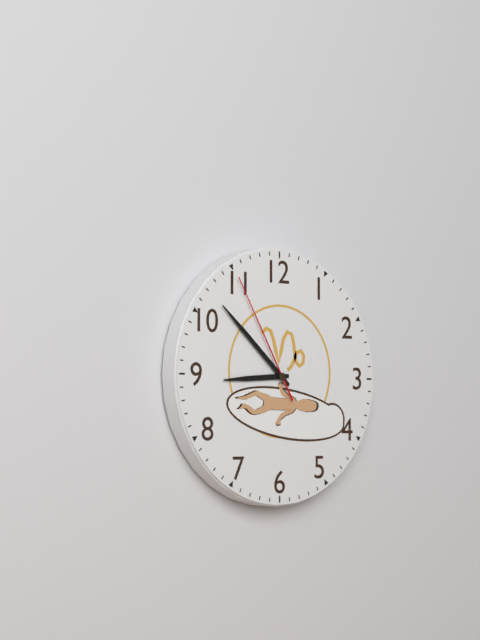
8:52:55
